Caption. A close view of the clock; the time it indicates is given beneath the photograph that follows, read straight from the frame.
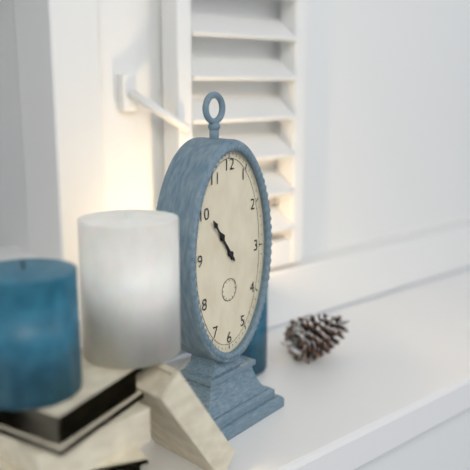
10:54
